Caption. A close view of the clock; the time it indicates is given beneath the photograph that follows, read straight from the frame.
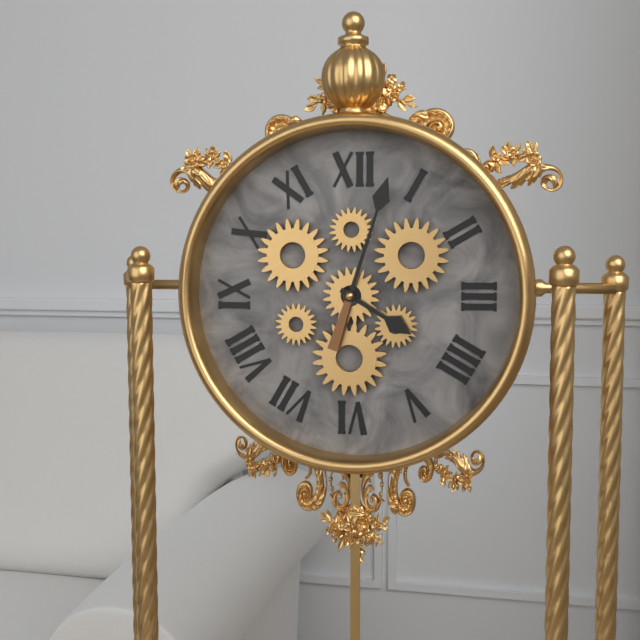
4:03
